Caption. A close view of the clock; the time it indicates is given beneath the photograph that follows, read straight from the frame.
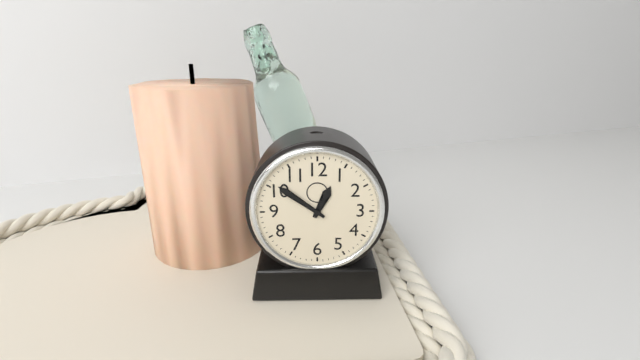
12:51
